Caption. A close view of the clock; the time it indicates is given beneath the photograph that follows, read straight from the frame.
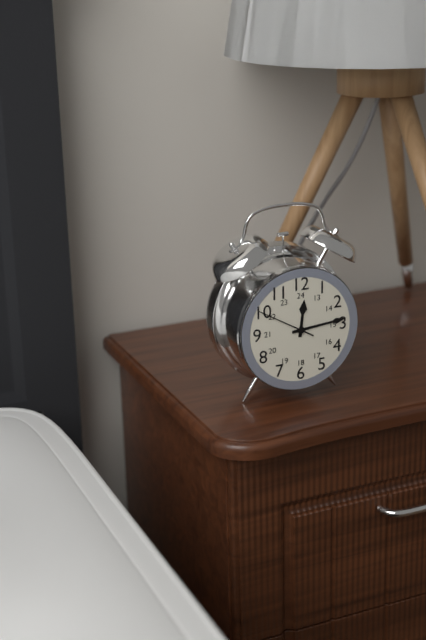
12:14:50
